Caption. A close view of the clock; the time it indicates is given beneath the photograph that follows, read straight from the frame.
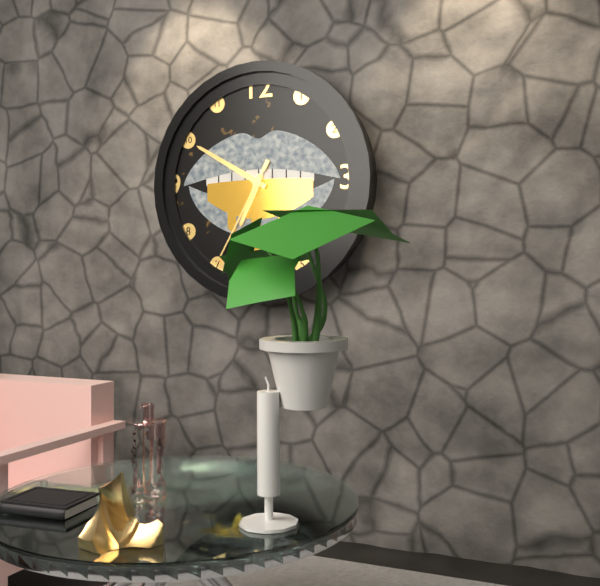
6:50:35
